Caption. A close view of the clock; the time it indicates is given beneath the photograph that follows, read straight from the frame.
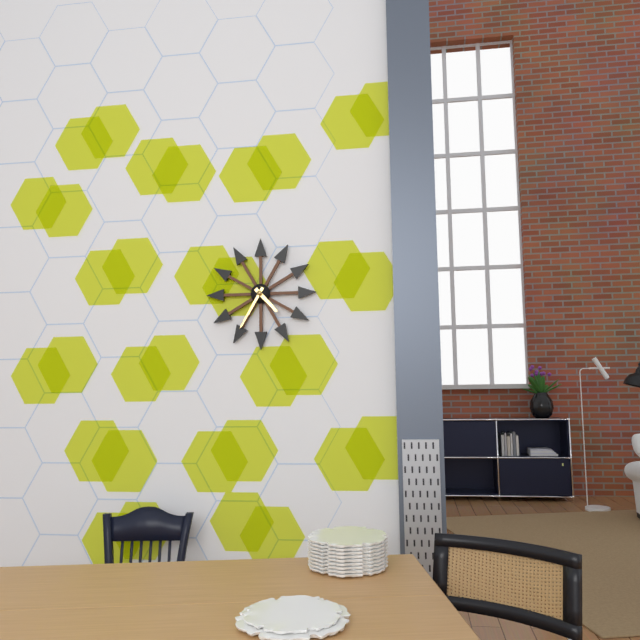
4:35
